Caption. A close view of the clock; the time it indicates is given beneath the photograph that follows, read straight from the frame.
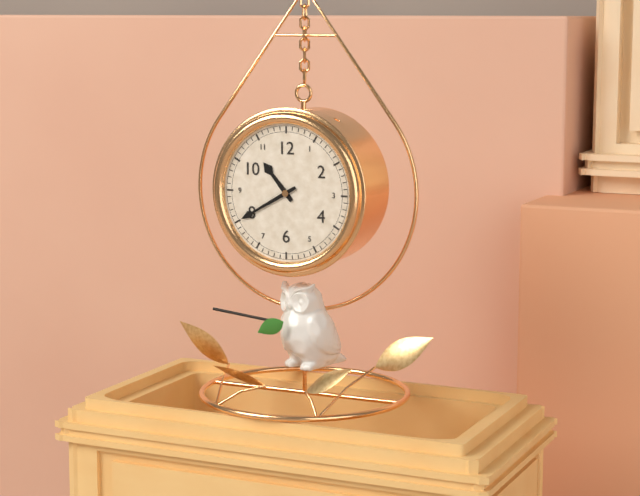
10:40
